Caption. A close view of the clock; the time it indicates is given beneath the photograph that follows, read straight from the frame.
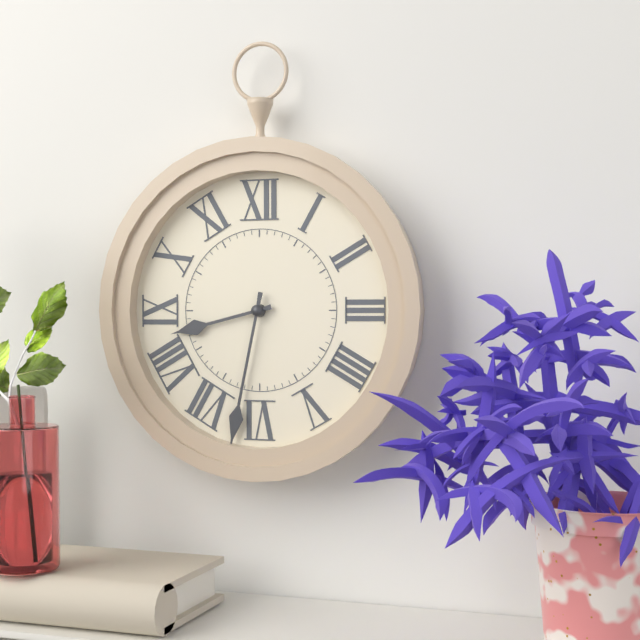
8:32
